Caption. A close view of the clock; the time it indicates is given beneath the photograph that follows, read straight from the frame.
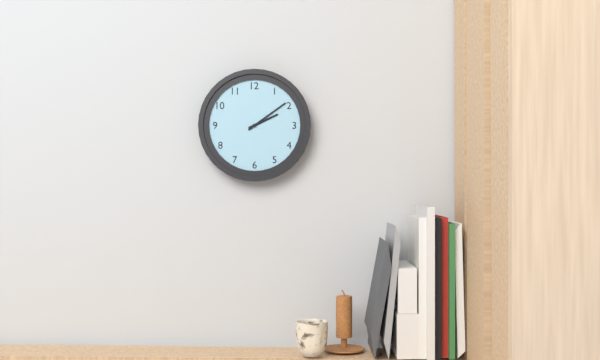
2:09
